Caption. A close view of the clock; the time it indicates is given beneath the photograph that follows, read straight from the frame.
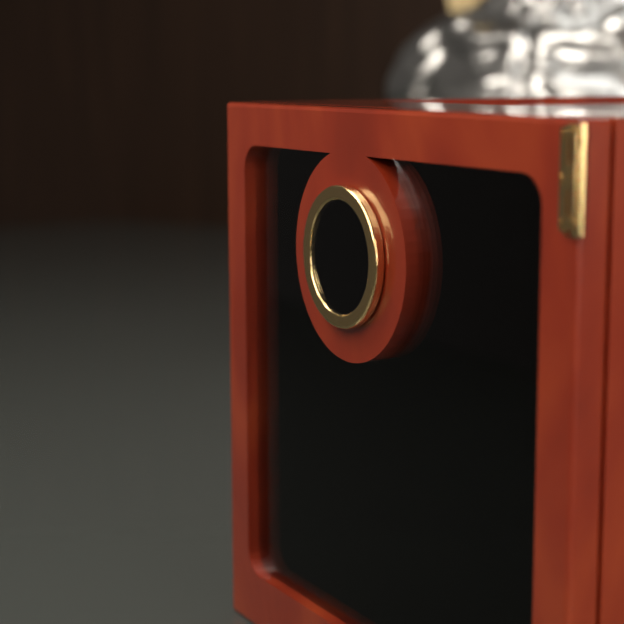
12:00
